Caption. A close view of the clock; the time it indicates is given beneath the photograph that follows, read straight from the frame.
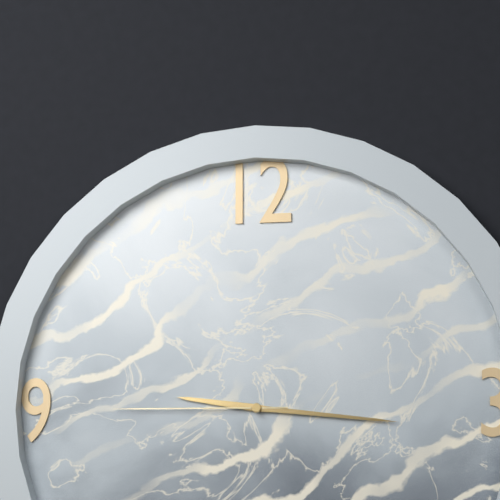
9:16:45
